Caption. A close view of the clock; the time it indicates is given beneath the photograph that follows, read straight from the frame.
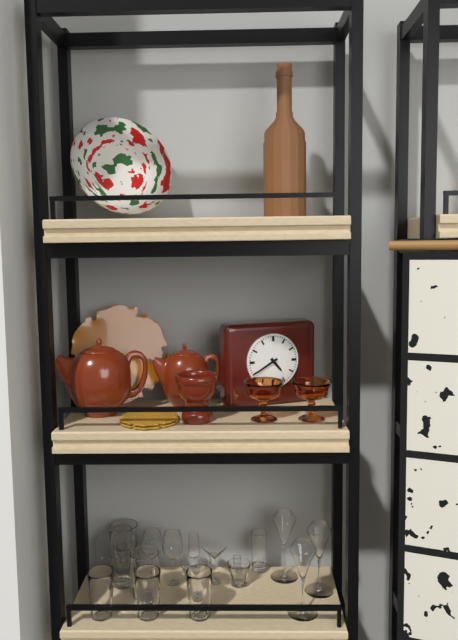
4:40
